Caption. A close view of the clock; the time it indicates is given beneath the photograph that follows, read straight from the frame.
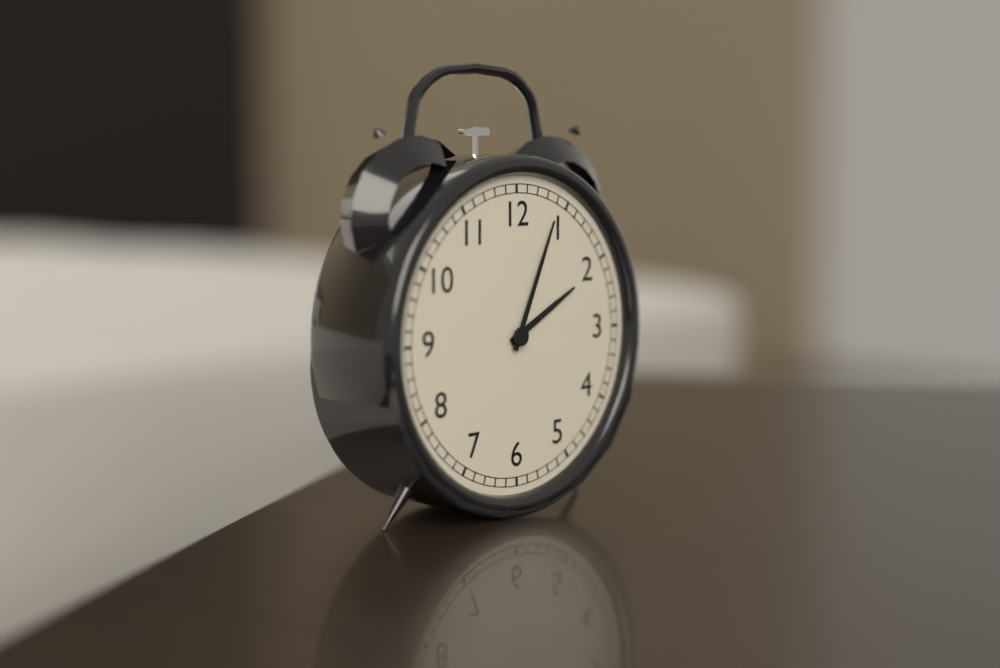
2:04
